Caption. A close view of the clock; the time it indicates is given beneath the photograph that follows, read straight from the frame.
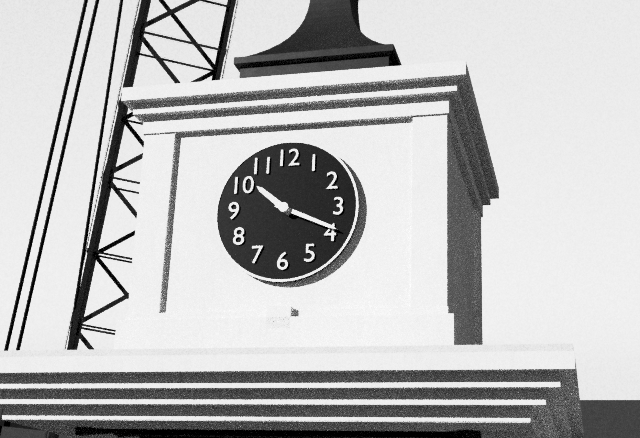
10:19
